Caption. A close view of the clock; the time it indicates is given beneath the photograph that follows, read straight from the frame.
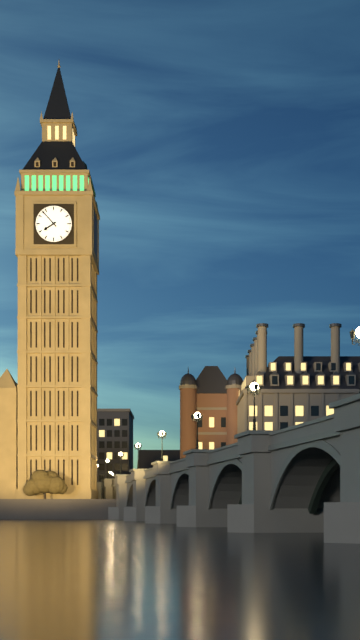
7:53
